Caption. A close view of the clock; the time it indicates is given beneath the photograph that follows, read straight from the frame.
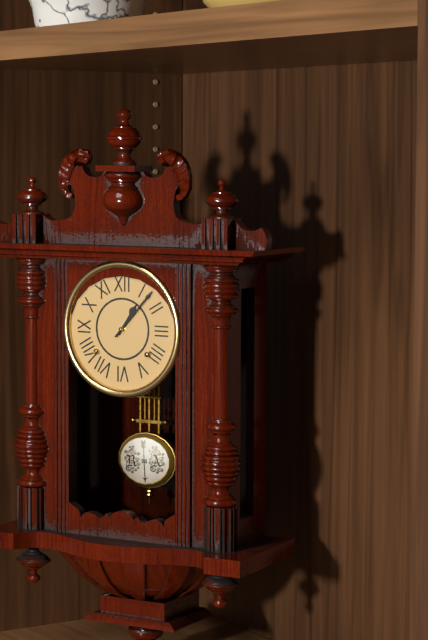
1:07
